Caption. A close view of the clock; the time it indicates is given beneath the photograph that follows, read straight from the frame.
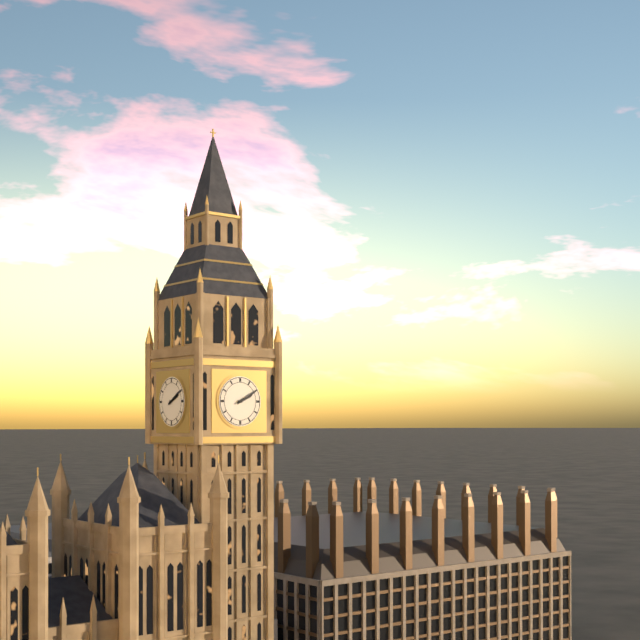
2:10
